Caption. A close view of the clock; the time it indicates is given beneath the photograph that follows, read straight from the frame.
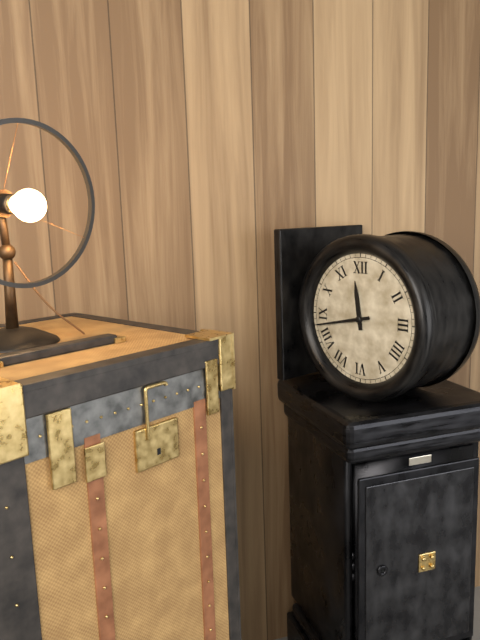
11:43
